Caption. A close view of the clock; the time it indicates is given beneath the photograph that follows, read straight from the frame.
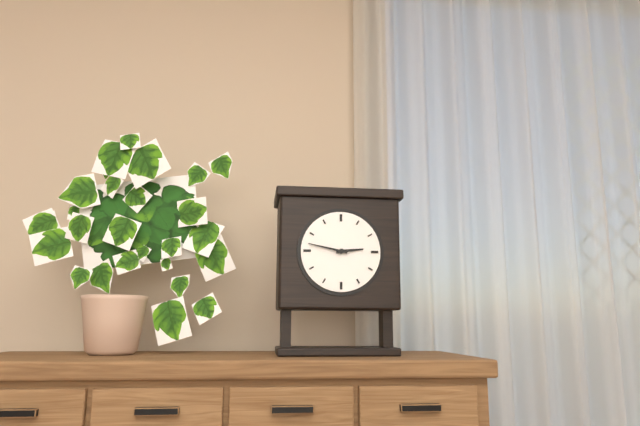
2:47
